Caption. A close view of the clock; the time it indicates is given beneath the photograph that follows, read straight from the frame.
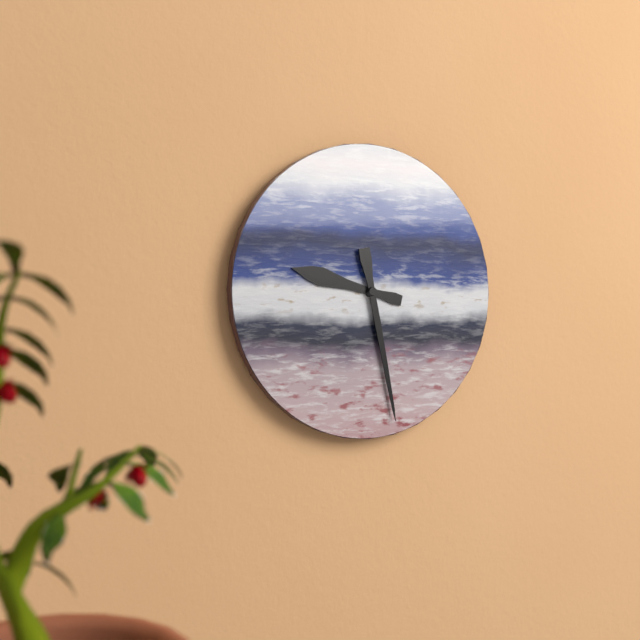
9:28
